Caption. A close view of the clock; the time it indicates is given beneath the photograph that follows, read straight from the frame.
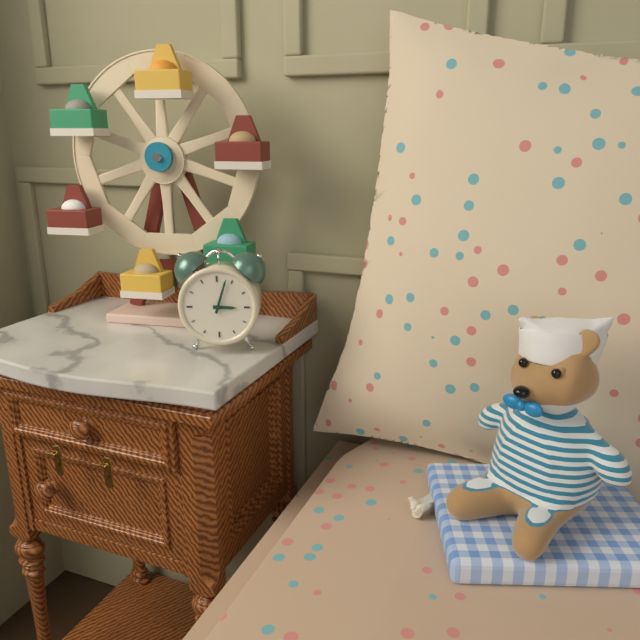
3:03
